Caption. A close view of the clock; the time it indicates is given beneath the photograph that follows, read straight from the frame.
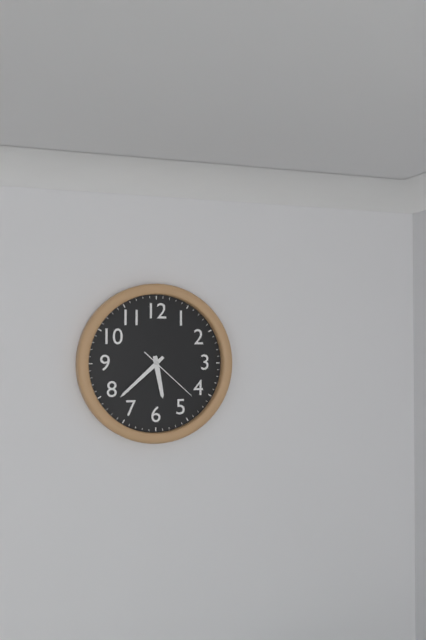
5:38:22
